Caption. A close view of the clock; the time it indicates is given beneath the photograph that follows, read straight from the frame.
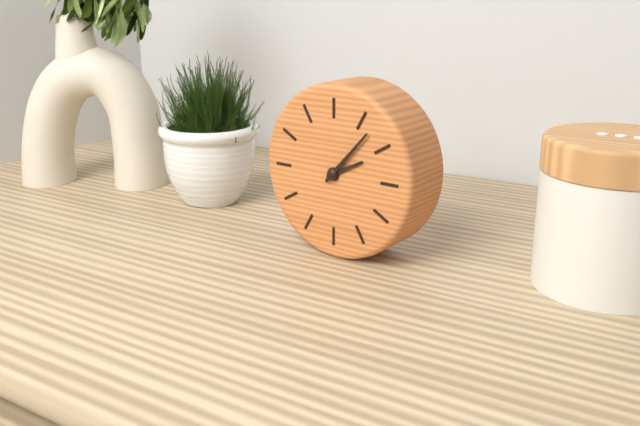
2:07
